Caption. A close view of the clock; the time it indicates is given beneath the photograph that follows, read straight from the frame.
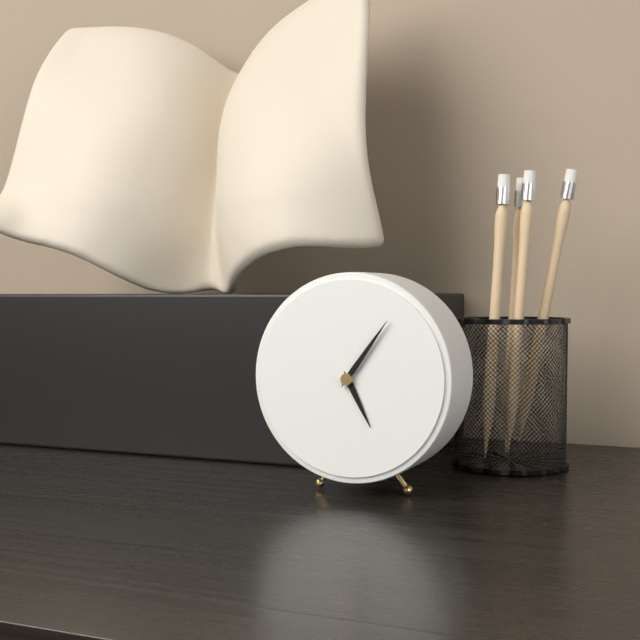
5:06
